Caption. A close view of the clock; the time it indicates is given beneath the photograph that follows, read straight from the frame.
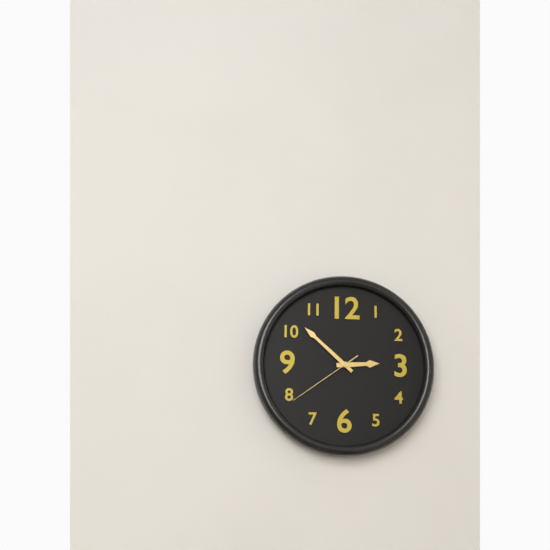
2:52:39
